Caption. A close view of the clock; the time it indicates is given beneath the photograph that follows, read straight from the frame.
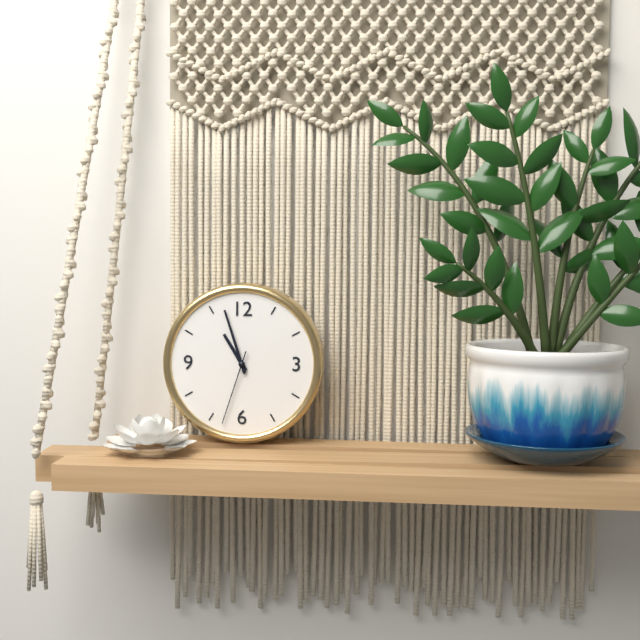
10:57:33
